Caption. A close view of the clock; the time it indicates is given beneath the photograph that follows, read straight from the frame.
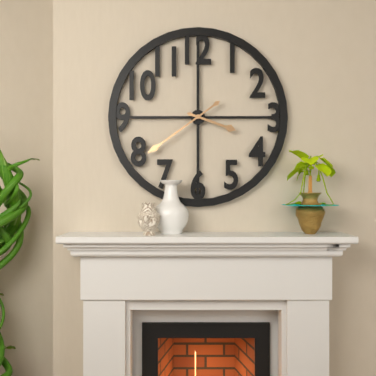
3:39
